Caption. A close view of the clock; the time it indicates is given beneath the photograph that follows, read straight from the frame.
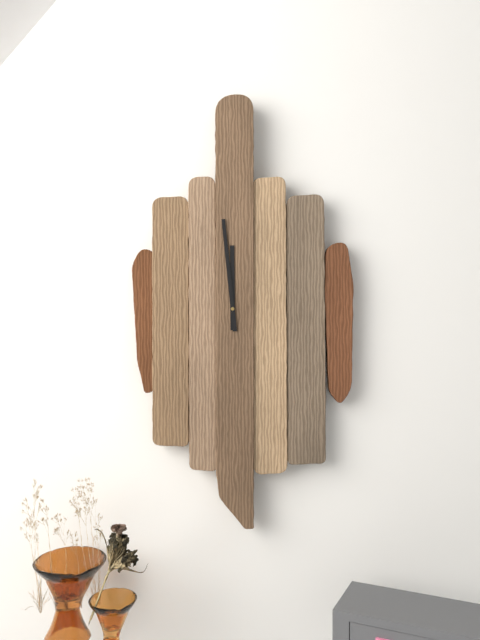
11:59
